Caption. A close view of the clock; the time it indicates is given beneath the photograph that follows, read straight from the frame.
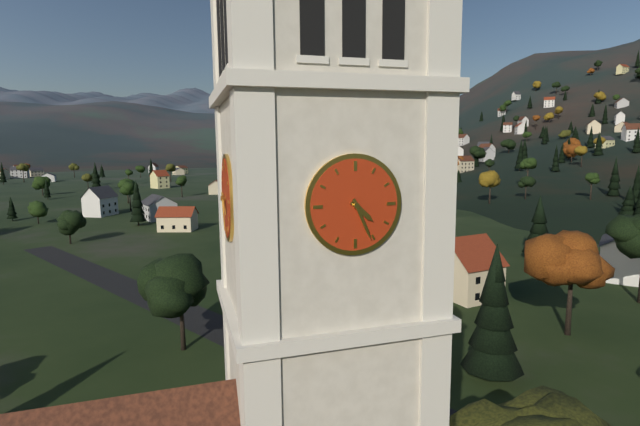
4:26
